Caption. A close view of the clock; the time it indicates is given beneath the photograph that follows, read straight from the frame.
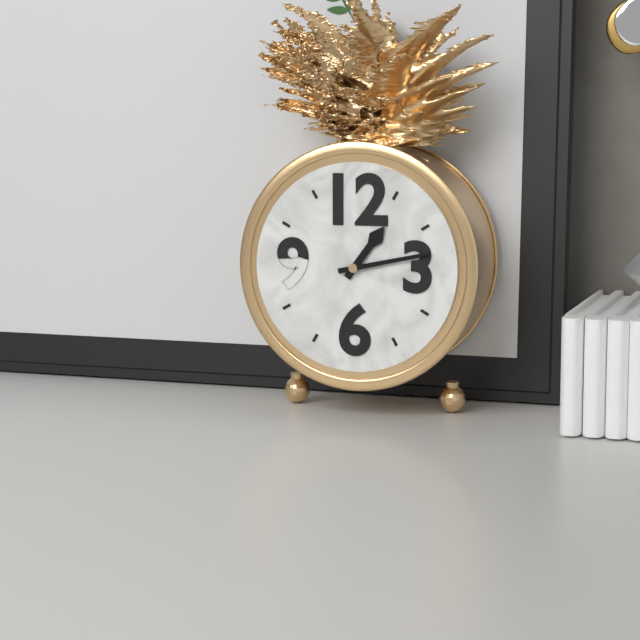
1:13
